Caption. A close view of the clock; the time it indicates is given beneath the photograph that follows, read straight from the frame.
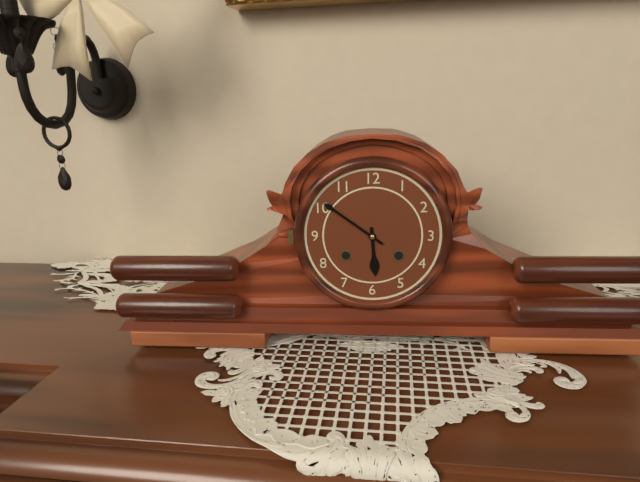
5:51
